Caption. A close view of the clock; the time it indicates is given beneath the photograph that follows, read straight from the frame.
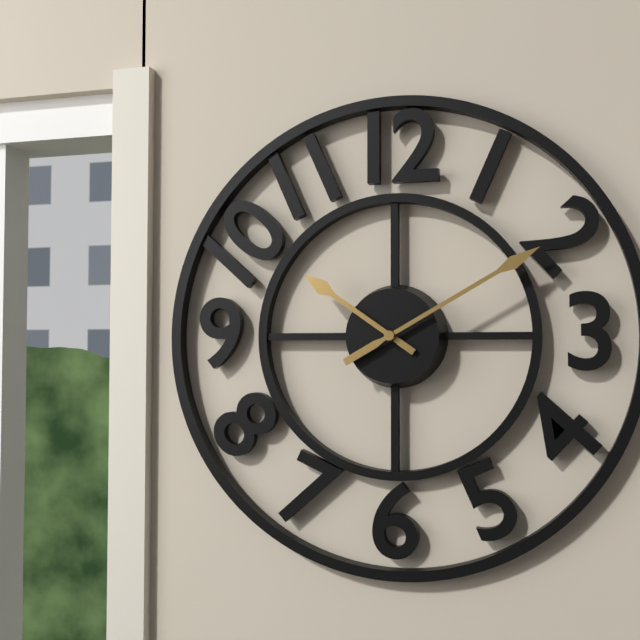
10:10
